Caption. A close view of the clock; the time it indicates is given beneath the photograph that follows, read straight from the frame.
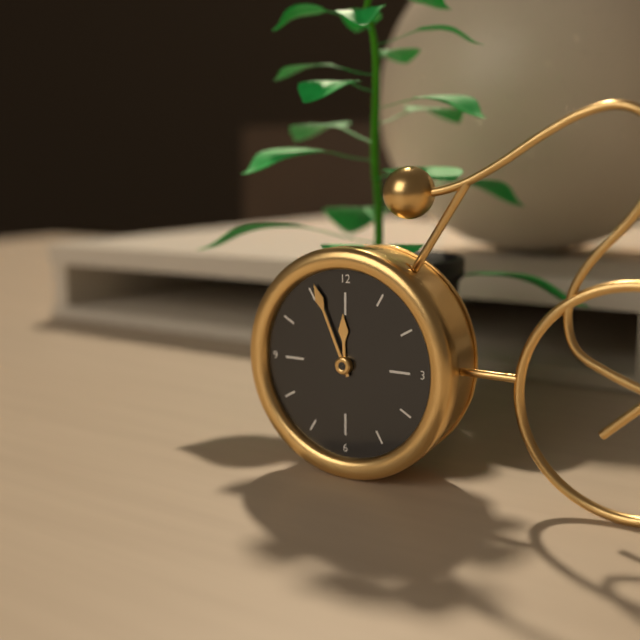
11:56
